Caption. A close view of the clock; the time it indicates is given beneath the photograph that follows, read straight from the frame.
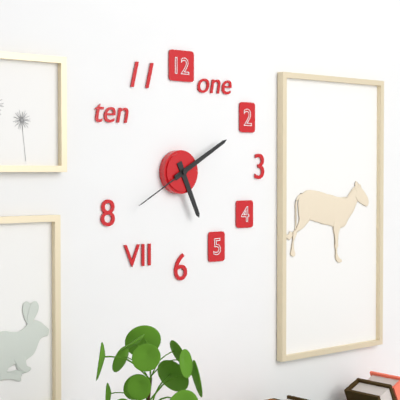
5:10:40
